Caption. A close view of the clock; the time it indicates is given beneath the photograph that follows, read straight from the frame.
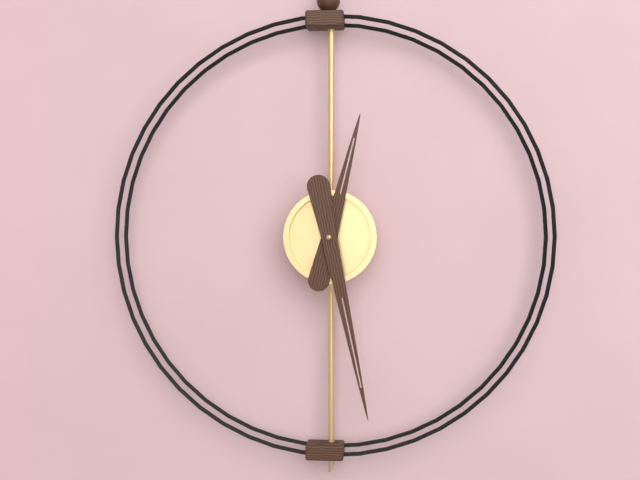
12:28
